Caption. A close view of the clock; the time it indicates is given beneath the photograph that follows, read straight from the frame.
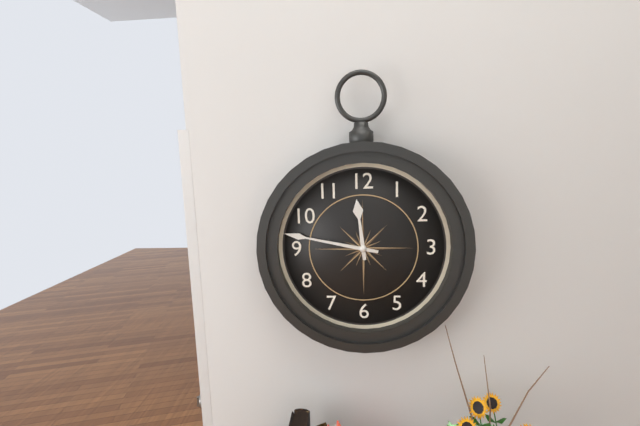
11:47
